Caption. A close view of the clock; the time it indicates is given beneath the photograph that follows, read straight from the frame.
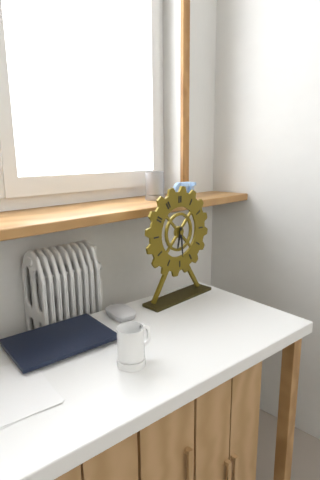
6:29
